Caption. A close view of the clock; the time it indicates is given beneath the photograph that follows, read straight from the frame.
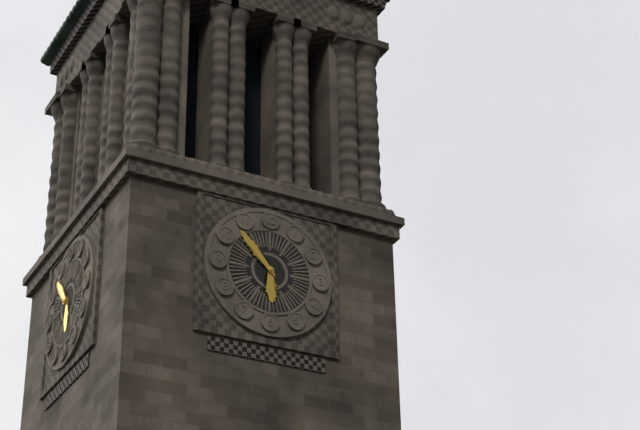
5:53
